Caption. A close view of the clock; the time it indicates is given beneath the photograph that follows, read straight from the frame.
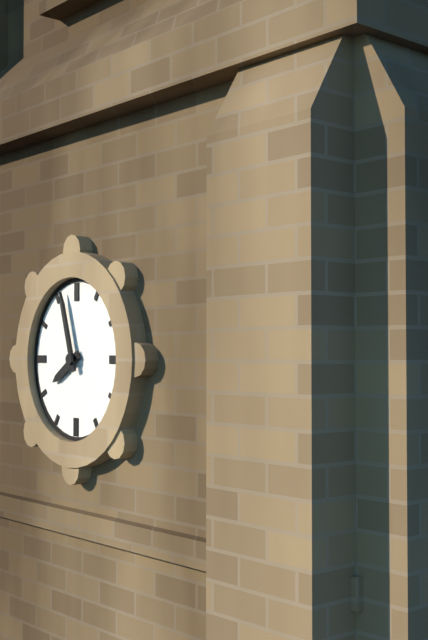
7:57
